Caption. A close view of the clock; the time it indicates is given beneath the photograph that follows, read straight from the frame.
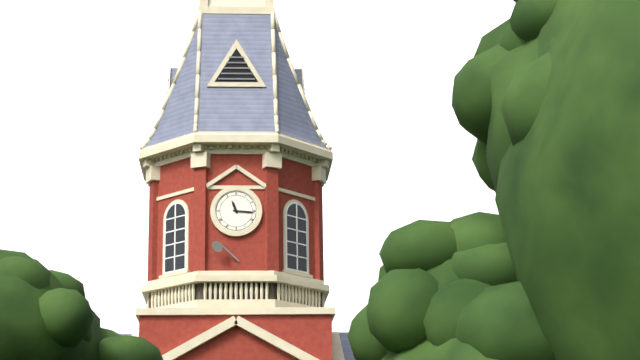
11:16
